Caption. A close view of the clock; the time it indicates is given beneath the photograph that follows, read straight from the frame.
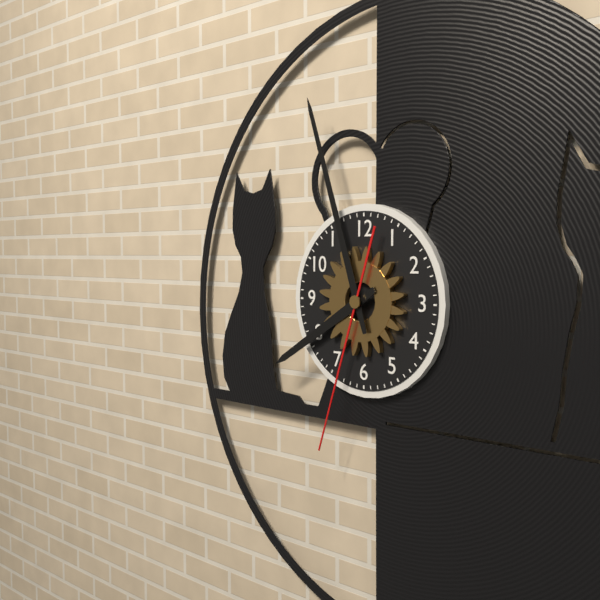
7:57:33
